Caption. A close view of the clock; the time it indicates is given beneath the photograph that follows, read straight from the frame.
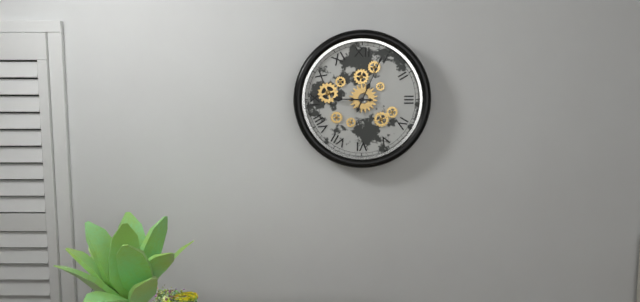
9:04
